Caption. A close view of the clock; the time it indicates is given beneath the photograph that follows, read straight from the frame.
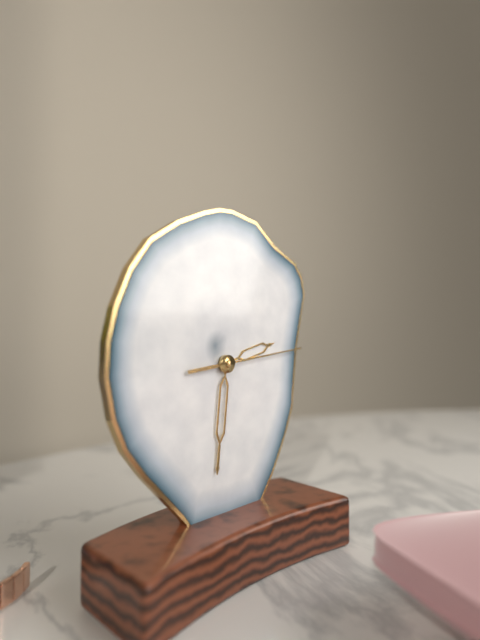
2:31:14
